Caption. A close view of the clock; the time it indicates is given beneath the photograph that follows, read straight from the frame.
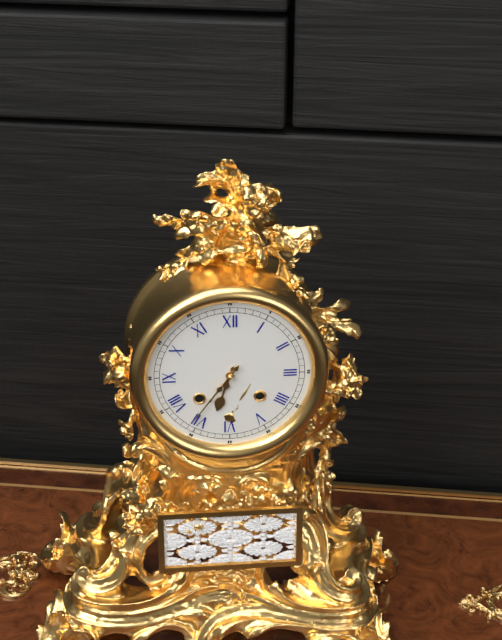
6:36
